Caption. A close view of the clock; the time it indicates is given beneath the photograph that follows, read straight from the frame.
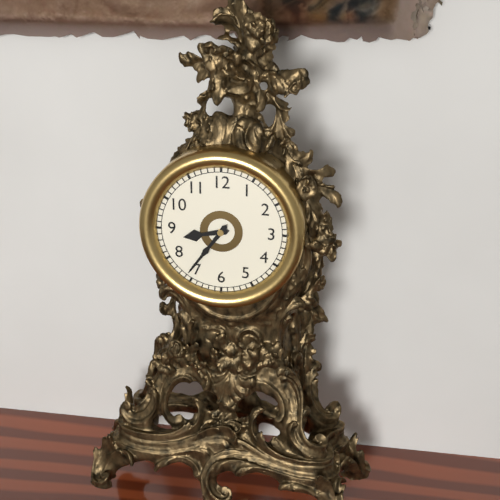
8:36
